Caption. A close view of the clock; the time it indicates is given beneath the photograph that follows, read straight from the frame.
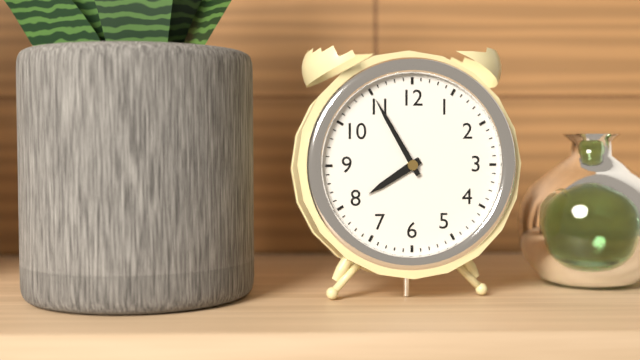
7:55
